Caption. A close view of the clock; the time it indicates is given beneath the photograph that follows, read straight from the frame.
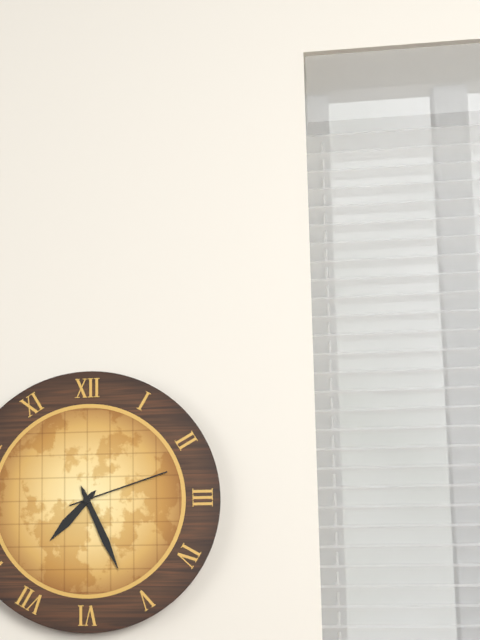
7:26:12
